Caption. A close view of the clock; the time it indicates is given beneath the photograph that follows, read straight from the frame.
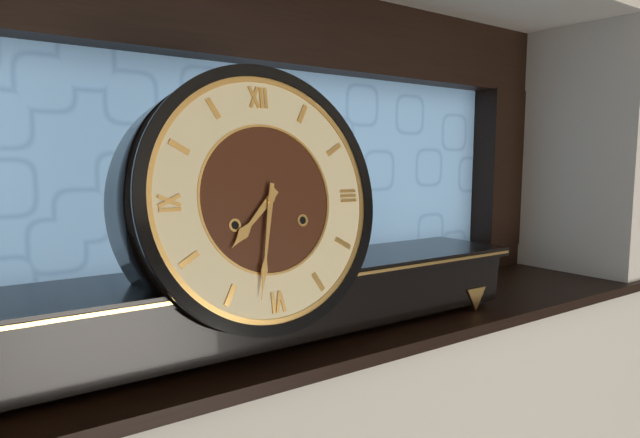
7:32
